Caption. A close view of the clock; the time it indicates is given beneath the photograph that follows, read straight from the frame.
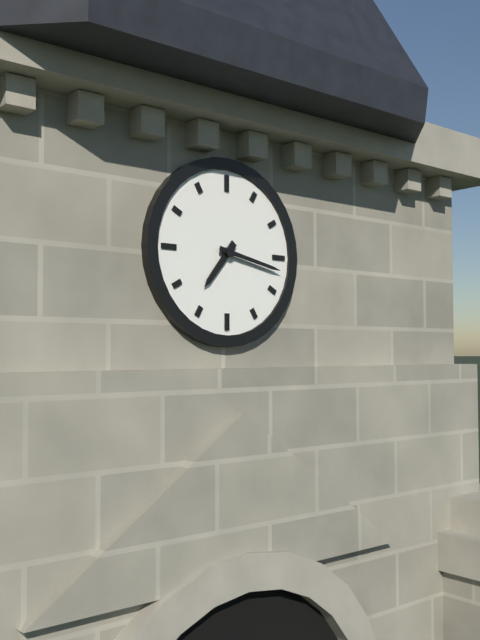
7:17
